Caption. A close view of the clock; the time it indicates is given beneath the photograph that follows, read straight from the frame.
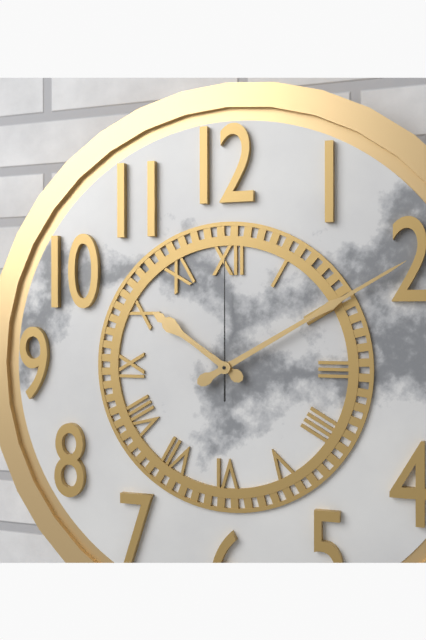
10:10:00
